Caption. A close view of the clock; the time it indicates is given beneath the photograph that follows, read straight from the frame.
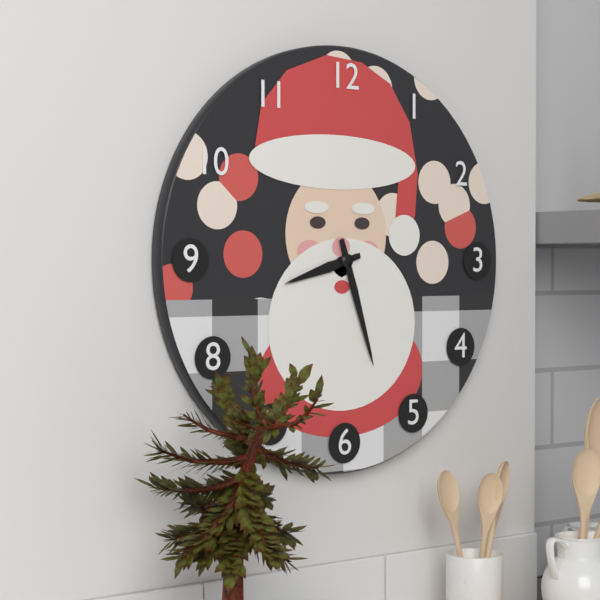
8:27
